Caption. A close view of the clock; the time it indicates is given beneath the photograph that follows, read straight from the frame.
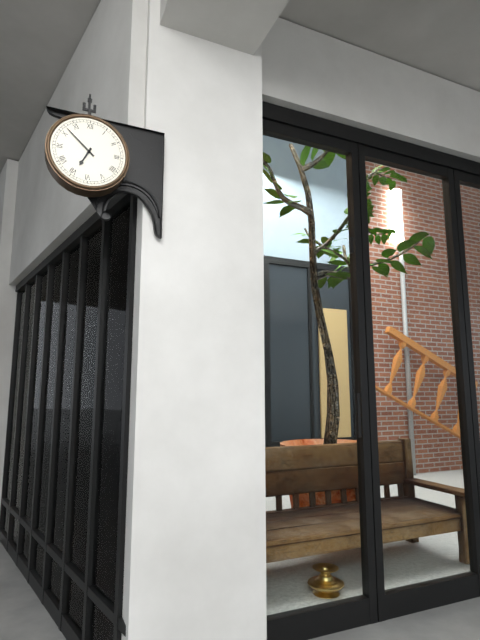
6:52
